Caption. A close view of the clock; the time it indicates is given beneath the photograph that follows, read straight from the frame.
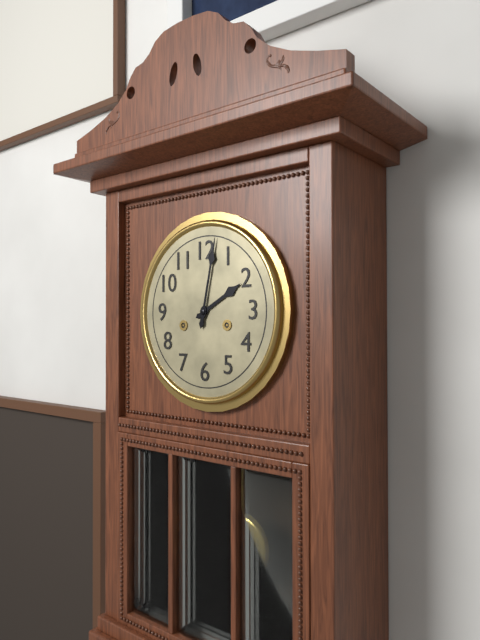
2:02
